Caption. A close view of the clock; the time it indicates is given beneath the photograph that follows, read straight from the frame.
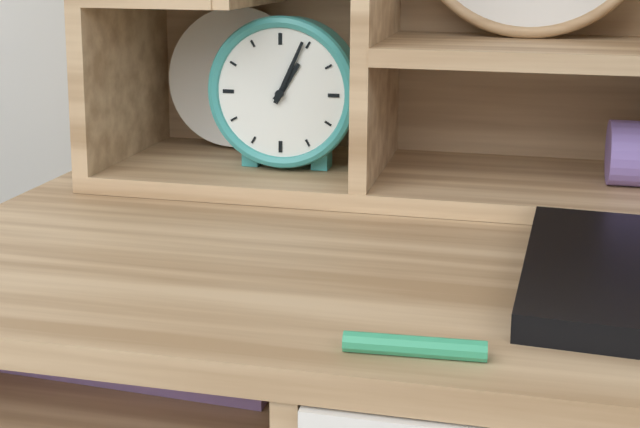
1:04
